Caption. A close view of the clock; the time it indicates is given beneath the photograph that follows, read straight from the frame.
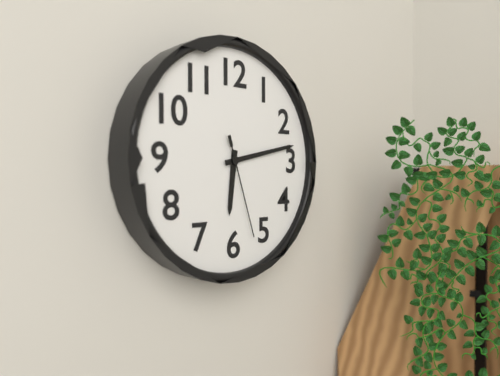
6:13:27
